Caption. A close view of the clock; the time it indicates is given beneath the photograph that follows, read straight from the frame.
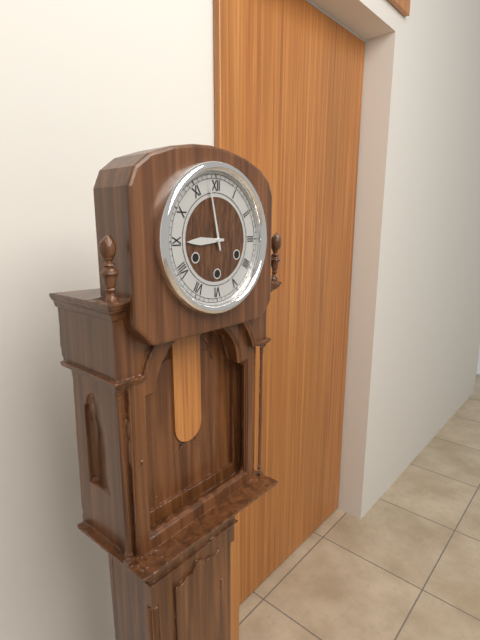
8:58
